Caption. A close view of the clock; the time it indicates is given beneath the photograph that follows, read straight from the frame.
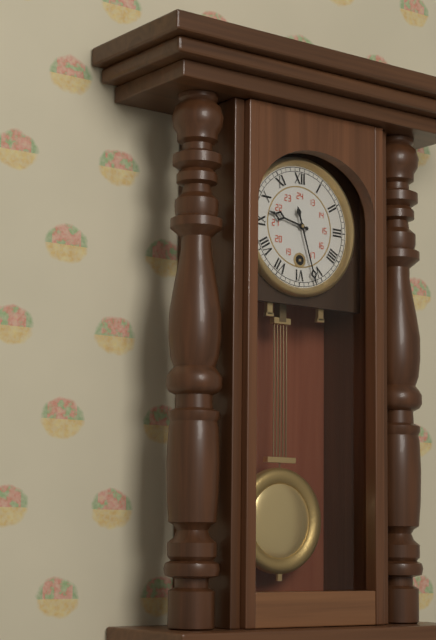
9:27
